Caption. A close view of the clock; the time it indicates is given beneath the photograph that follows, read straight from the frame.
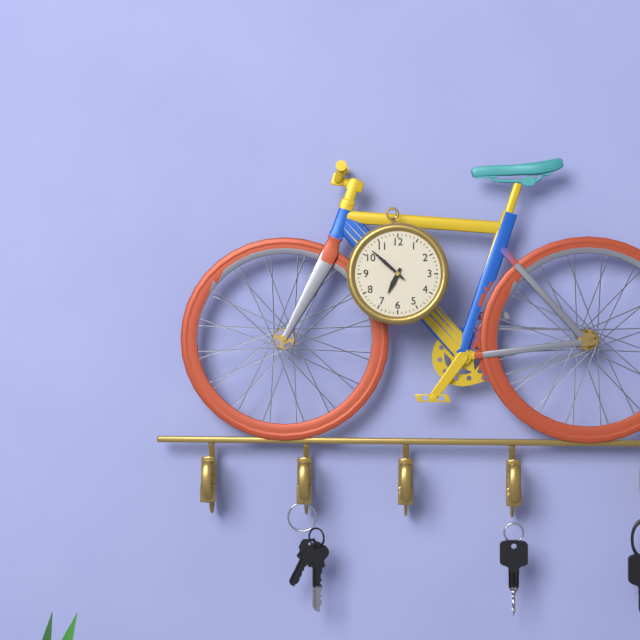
6:52
